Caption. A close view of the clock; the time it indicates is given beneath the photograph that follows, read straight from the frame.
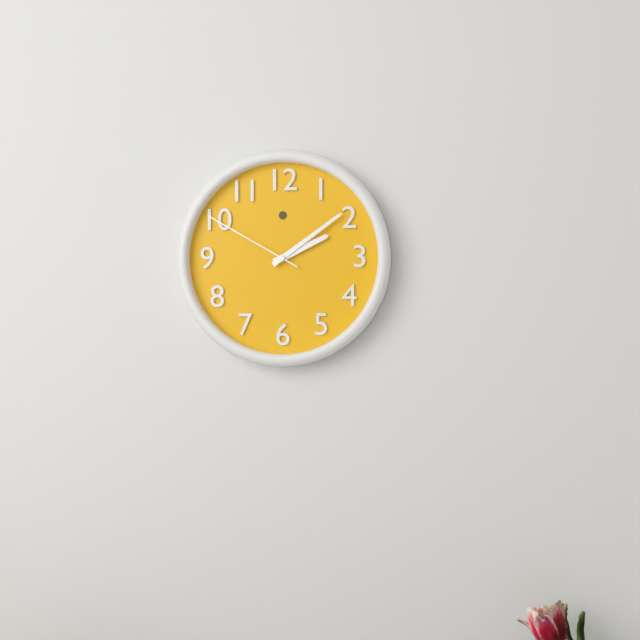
2:09:50
